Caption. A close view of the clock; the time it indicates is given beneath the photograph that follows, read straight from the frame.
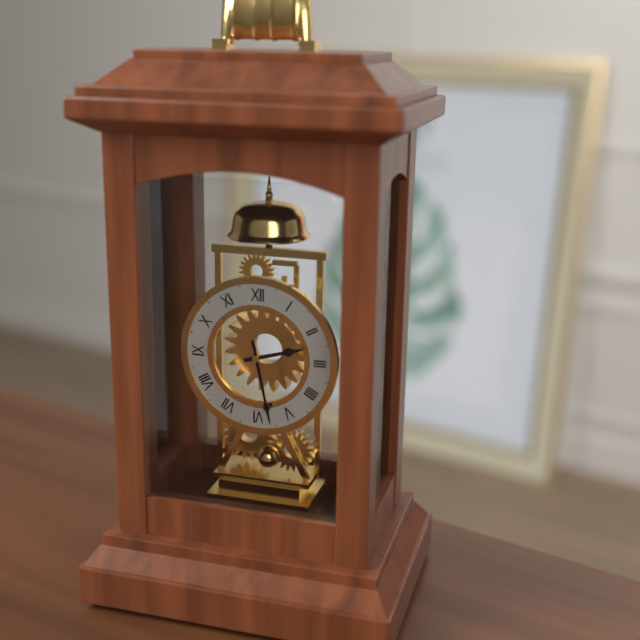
2:28
